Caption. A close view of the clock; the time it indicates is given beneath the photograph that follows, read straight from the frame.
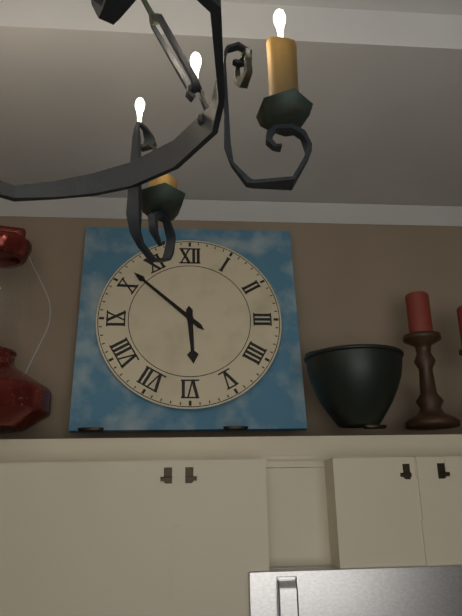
5:52
